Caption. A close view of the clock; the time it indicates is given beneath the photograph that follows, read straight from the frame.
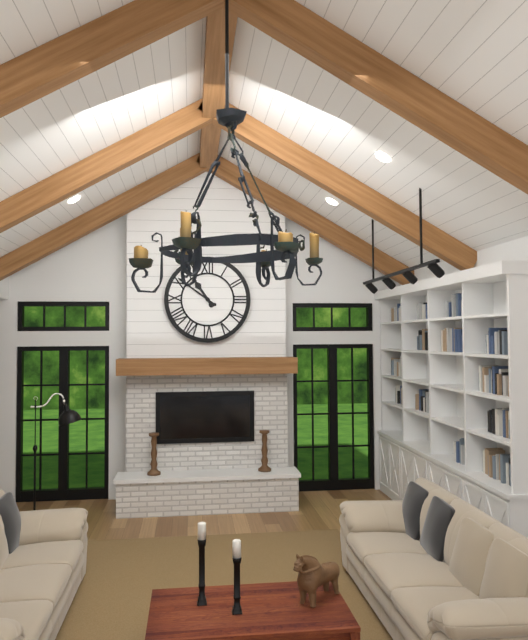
10:51
